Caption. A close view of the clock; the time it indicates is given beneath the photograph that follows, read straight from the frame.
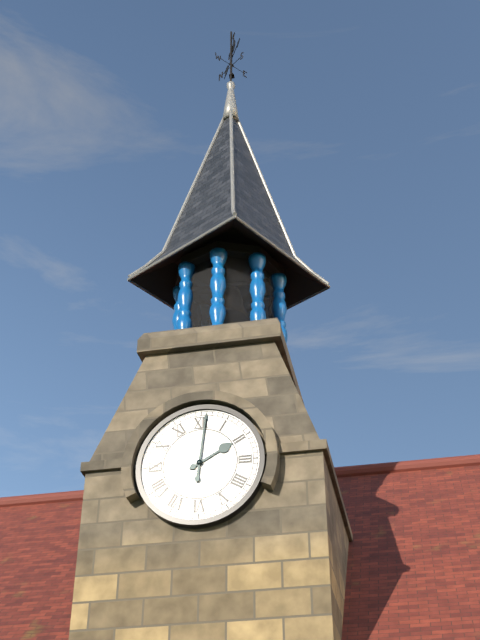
2:01
